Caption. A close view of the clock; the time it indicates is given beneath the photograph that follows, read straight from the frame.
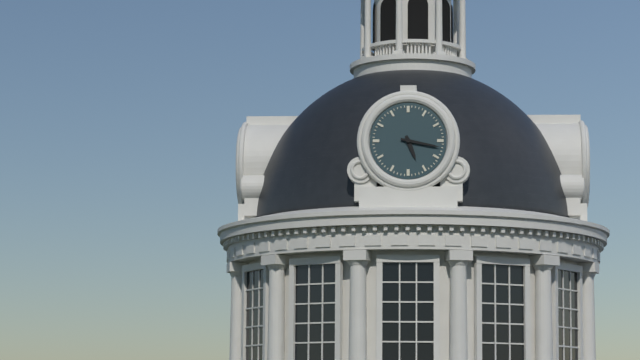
5:17
